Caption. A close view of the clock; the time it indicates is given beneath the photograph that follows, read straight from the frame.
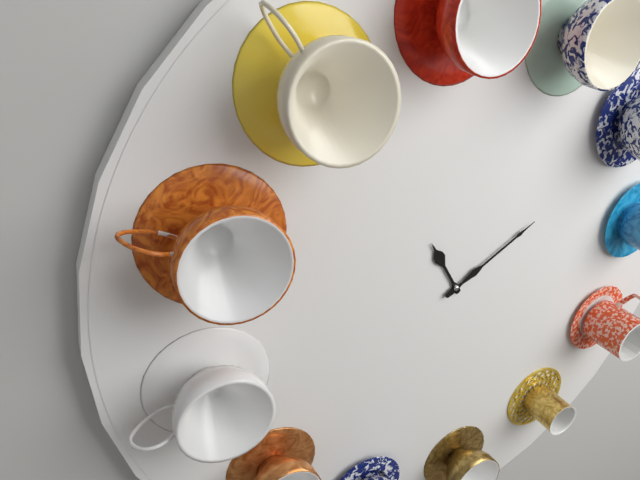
11:11
